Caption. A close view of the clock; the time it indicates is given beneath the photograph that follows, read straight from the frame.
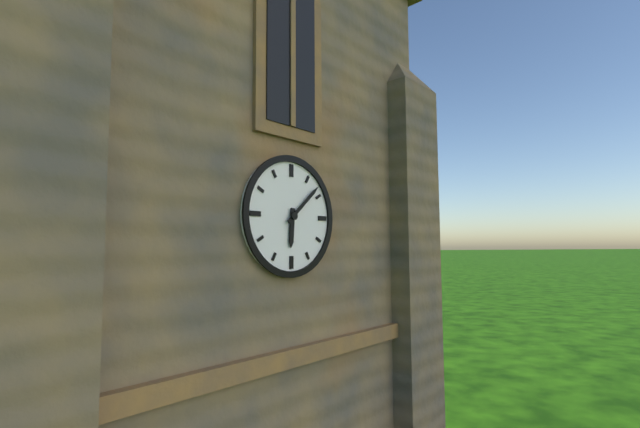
6:08
